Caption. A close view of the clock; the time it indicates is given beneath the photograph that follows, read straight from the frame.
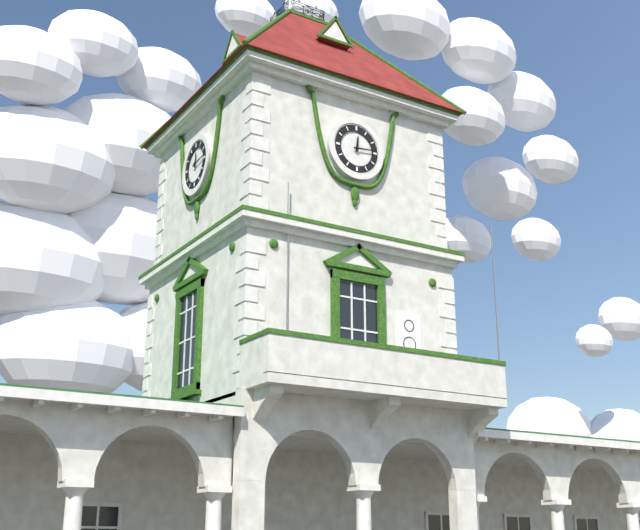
12:14
